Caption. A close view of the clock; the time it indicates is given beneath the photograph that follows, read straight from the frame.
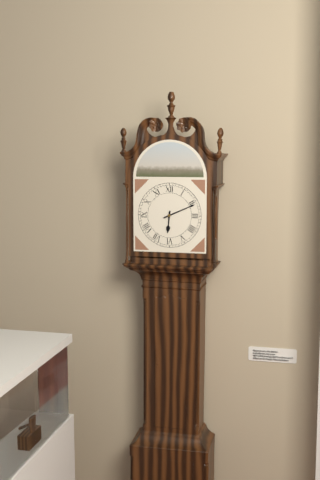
6:11
